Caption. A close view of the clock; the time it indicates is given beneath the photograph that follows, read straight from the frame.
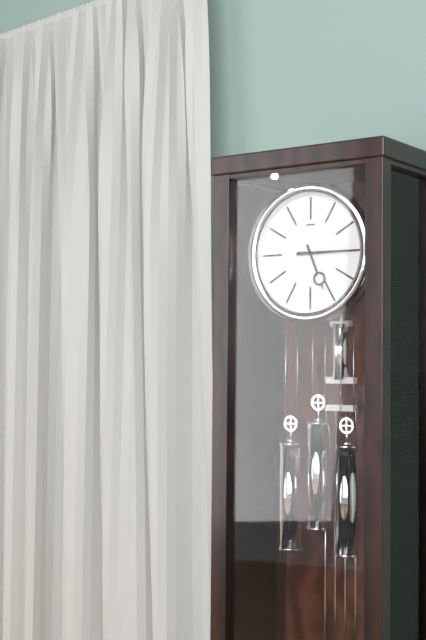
5:15
